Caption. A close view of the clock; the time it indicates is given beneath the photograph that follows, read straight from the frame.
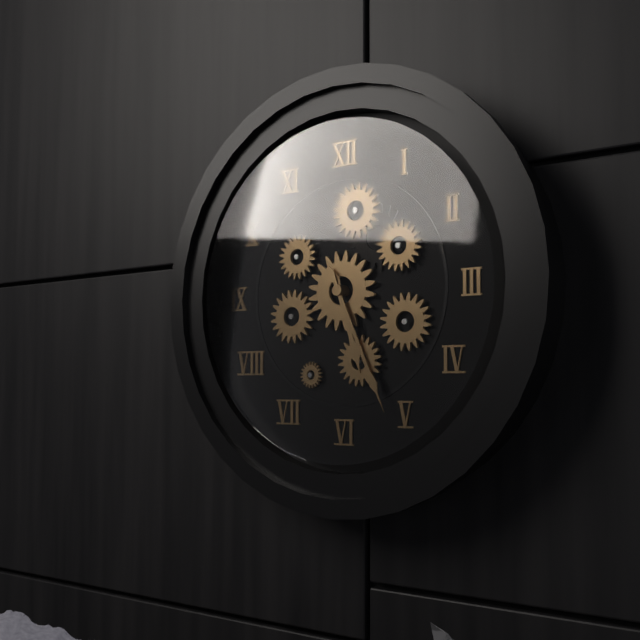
5:26
